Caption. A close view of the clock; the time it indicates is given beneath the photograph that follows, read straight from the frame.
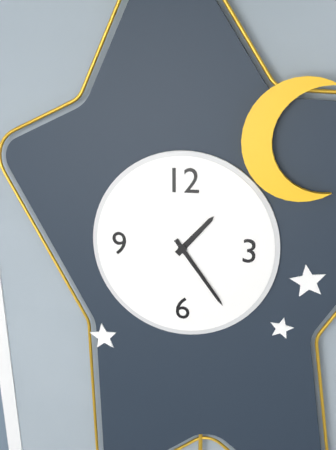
1:24
